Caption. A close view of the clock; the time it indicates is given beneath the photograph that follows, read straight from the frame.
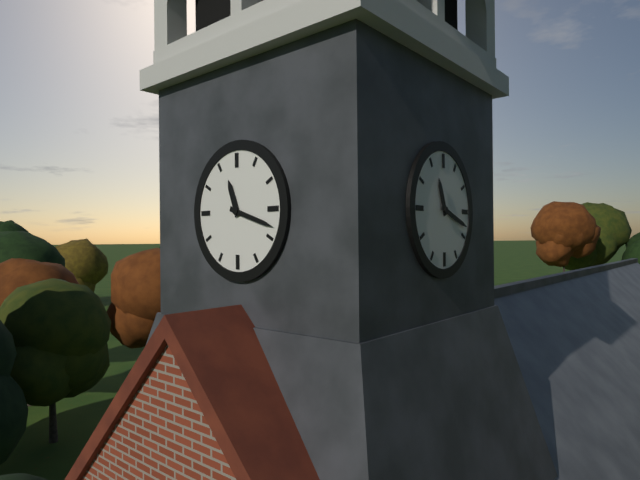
11:18
